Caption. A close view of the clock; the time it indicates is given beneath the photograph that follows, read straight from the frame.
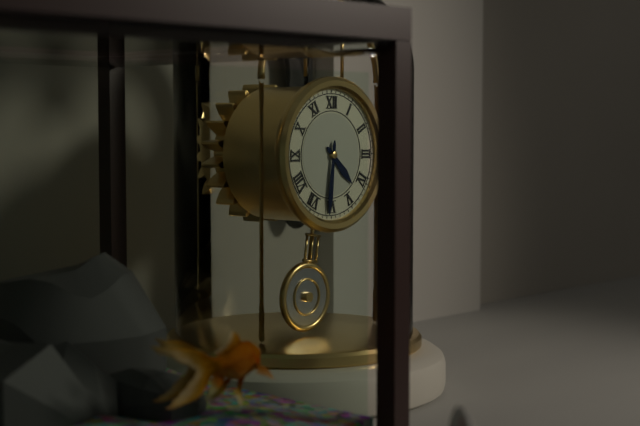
4:31
